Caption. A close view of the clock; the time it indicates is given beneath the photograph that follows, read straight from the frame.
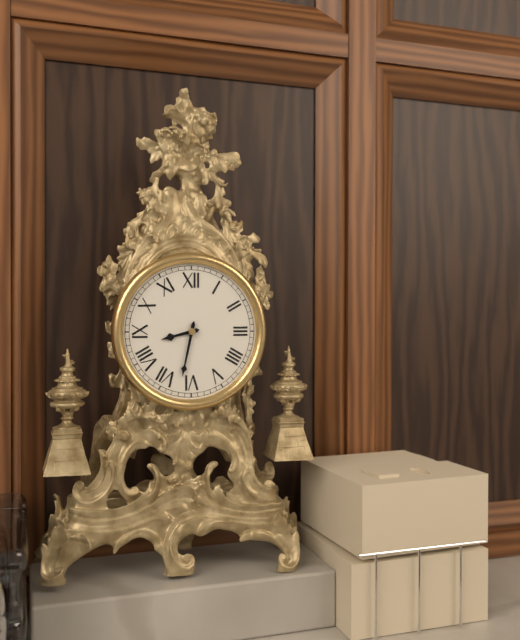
8:32
